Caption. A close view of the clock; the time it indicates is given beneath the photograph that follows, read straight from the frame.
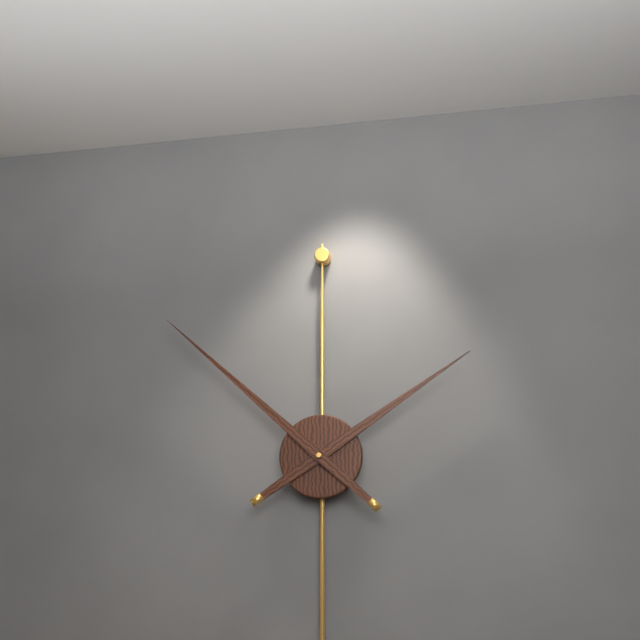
1:52
